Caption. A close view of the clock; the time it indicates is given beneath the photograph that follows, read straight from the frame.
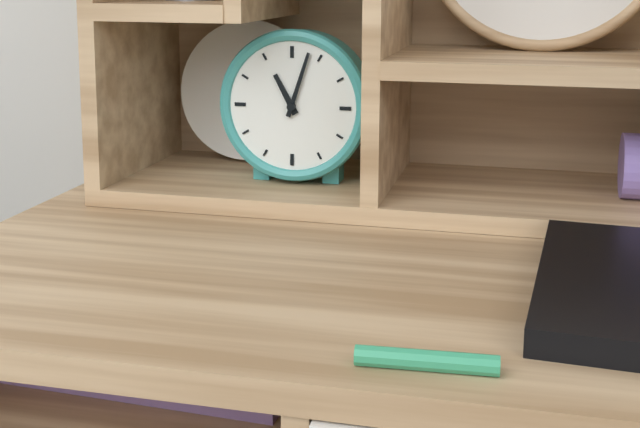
11:03
